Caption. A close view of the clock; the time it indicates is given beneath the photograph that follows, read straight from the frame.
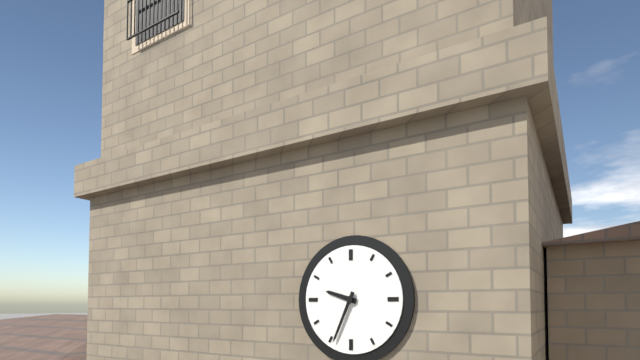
9:34
